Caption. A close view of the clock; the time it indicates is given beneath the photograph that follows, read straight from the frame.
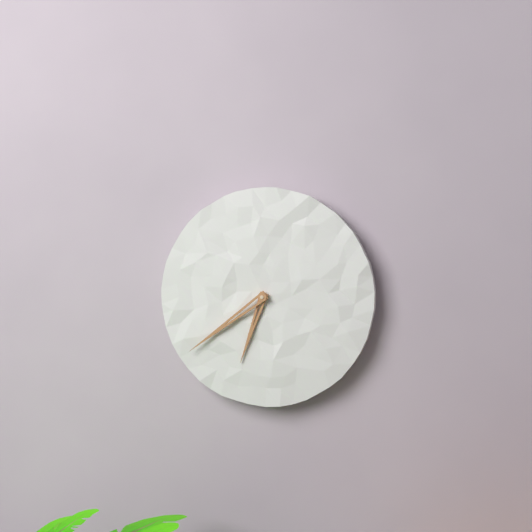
6:39
